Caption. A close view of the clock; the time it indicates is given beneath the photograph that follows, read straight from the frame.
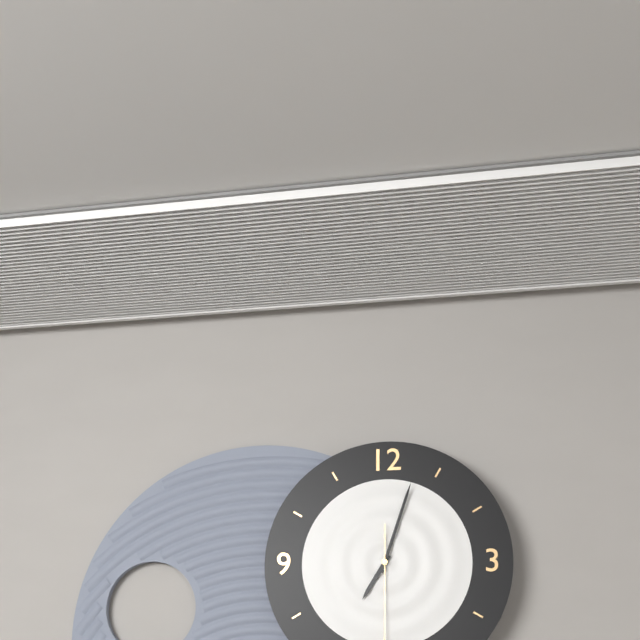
7:03
